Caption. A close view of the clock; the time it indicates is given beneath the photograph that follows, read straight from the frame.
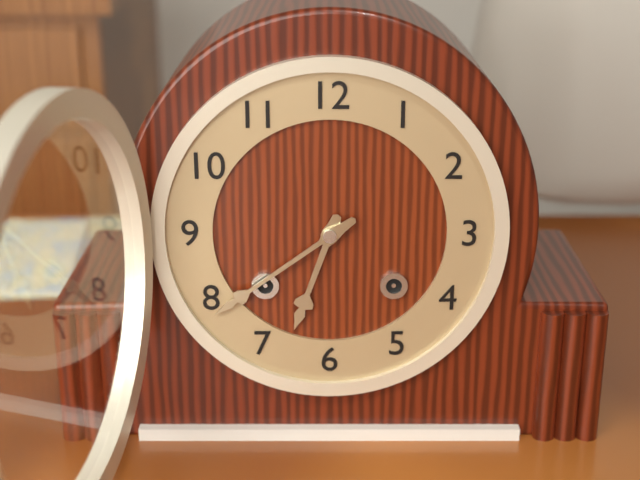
6:39
